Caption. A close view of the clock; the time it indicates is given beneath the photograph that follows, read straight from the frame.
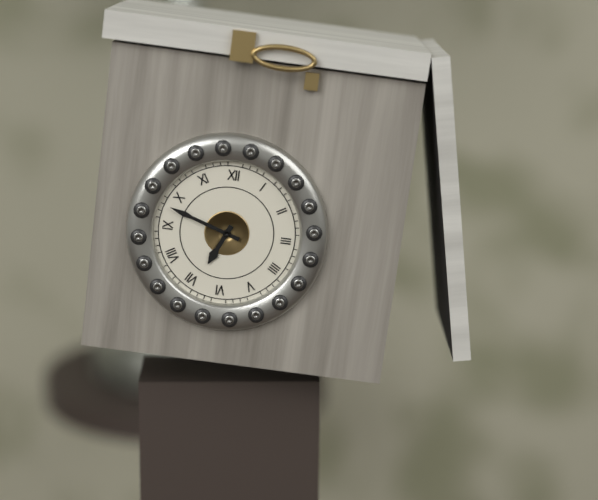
6:48
